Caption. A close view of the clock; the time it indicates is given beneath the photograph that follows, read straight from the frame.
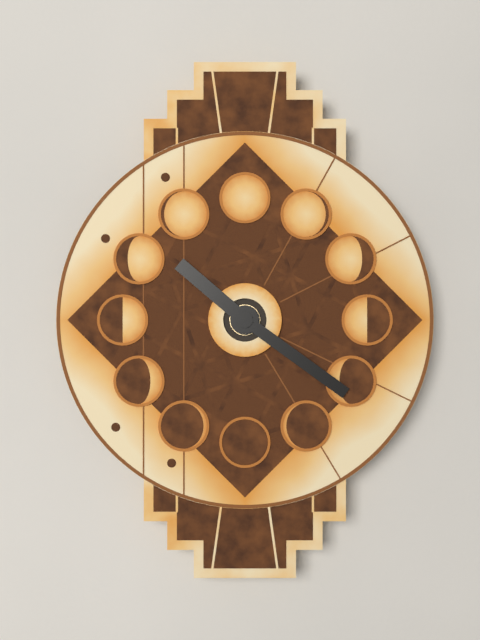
10:21
